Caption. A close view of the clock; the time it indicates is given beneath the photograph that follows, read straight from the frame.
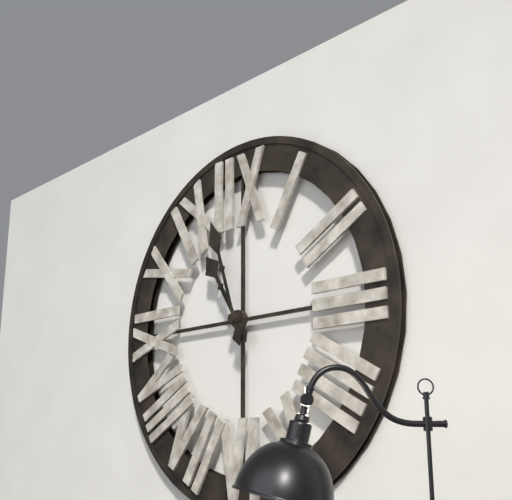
10:57
